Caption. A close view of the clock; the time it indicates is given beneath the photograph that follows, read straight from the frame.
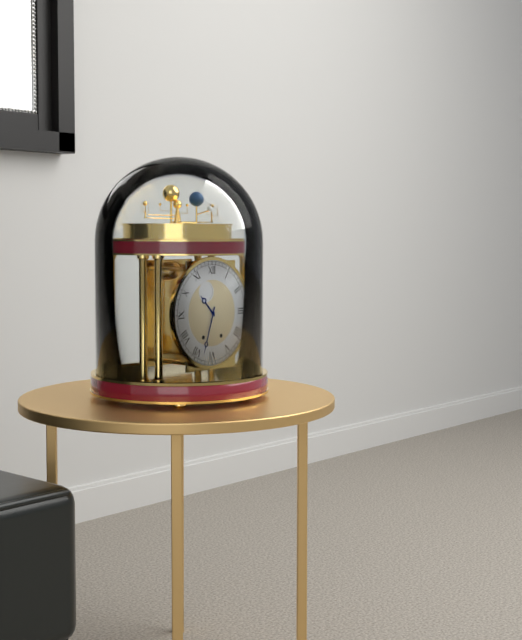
10:33
